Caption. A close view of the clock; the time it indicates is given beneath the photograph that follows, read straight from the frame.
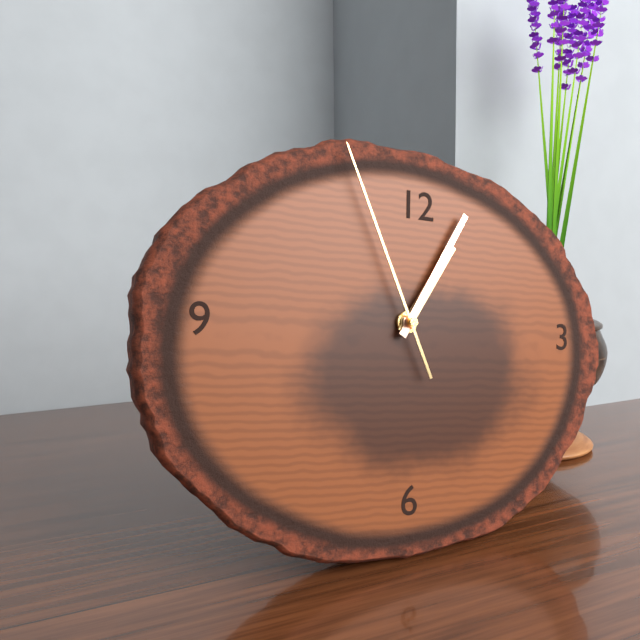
1:05:56
